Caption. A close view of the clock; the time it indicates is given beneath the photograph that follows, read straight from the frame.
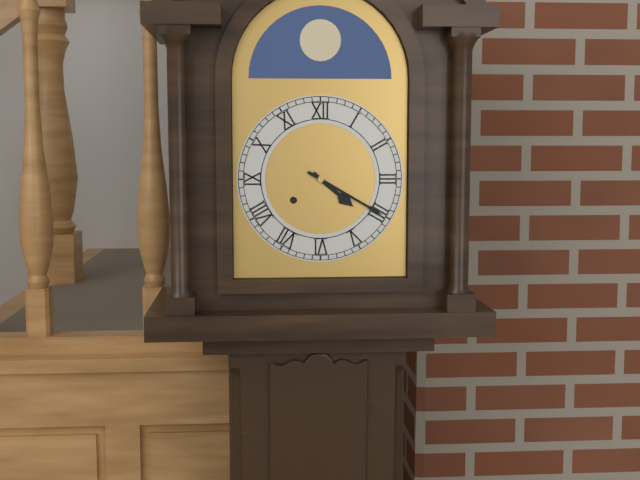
4:20
